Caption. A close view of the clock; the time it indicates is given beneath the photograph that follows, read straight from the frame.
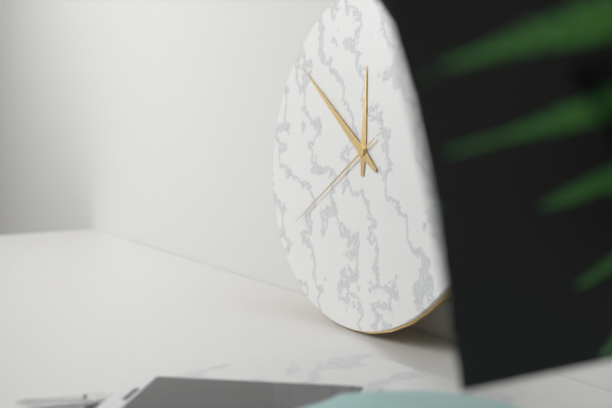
11:51:39
